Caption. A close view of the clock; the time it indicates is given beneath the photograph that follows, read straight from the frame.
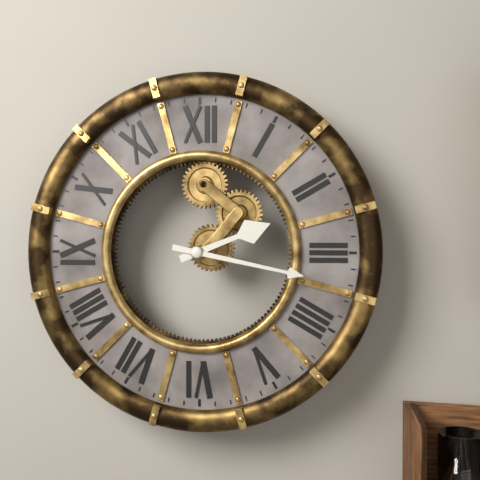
2:17
